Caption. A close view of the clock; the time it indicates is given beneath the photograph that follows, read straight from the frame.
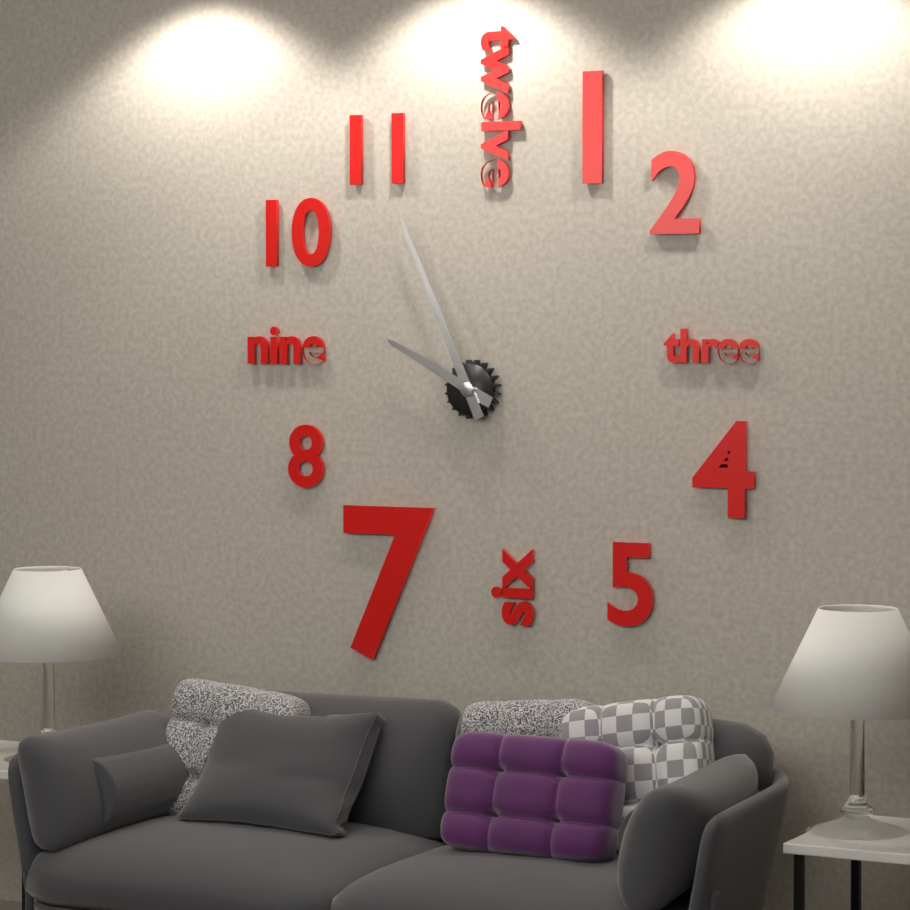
9:56
